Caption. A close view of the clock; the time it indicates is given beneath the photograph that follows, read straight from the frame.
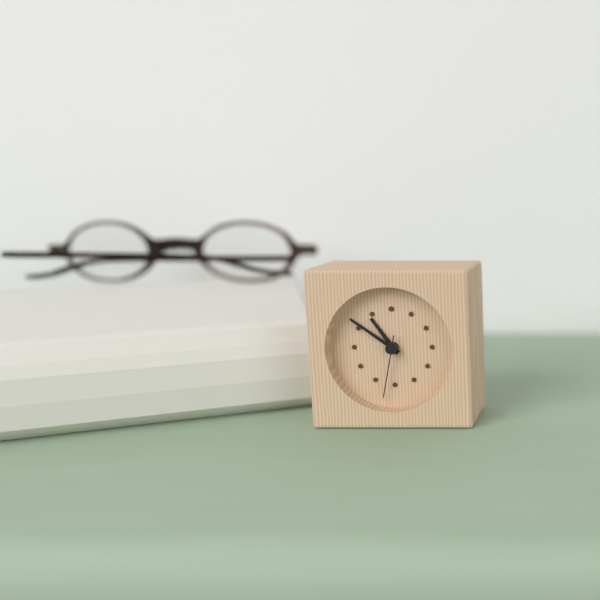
10:51:32
